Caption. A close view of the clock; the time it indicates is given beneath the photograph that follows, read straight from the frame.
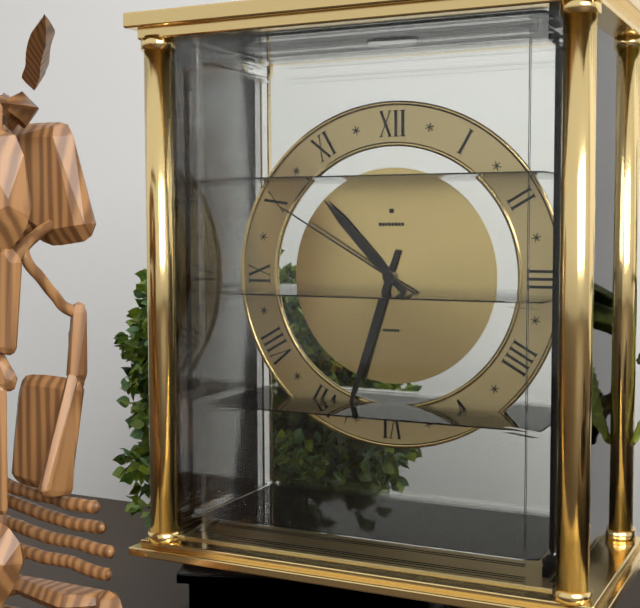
10:33:50
